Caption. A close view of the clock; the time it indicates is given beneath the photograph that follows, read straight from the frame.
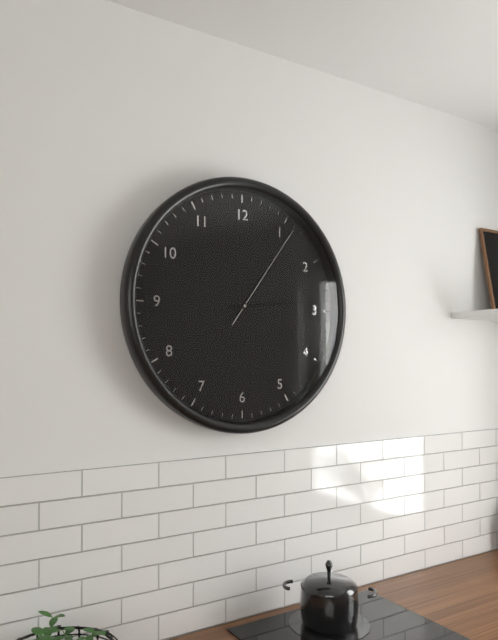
1:14:06
